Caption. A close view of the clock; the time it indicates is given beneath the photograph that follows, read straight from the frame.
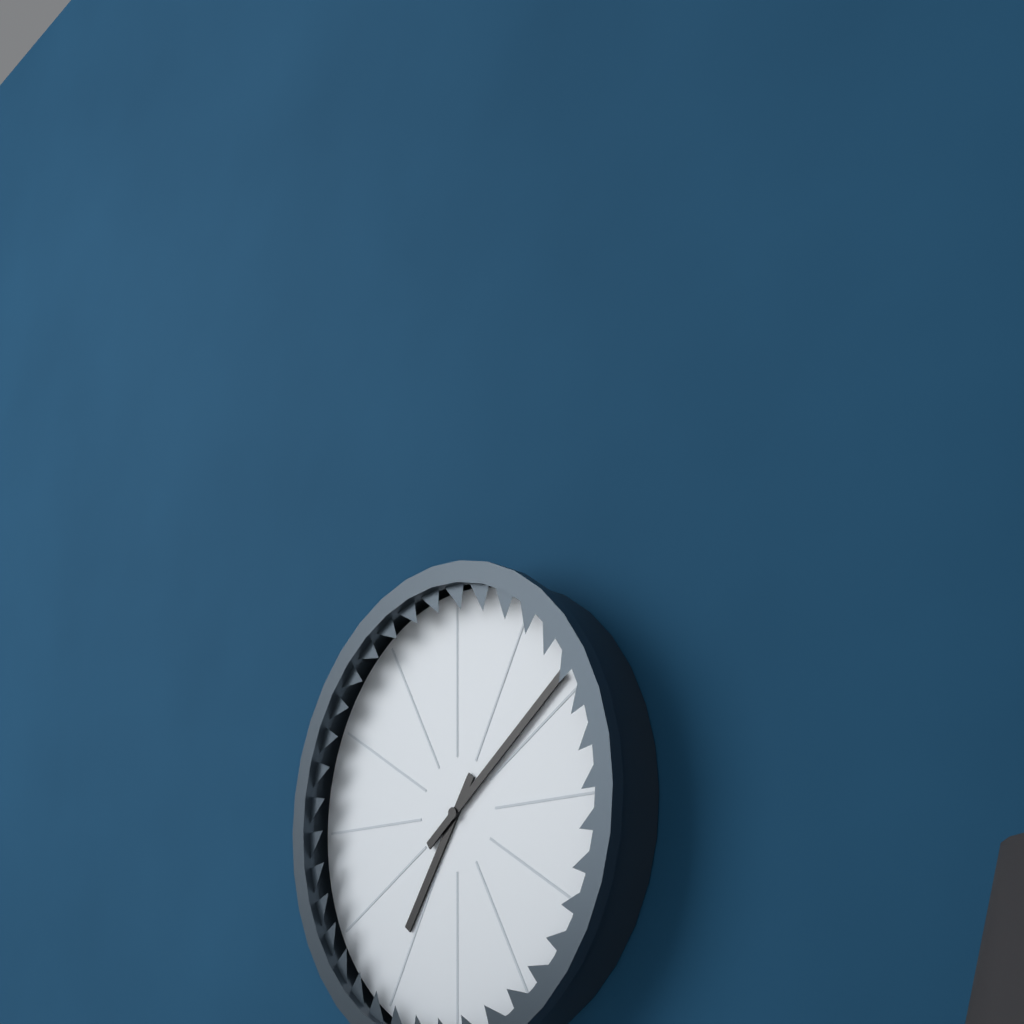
7:09
